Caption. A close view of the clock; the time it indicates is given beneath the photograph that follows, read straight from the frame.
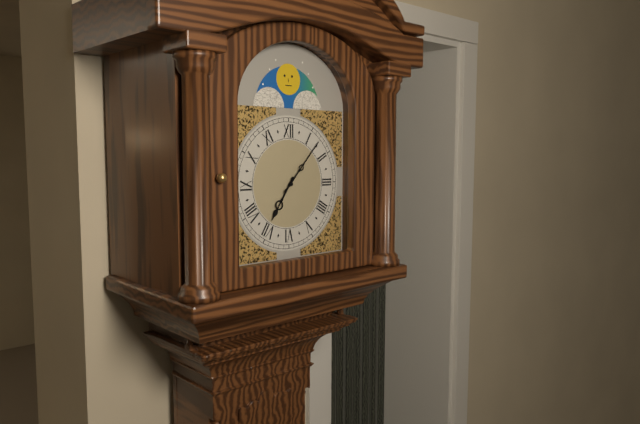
7:07
